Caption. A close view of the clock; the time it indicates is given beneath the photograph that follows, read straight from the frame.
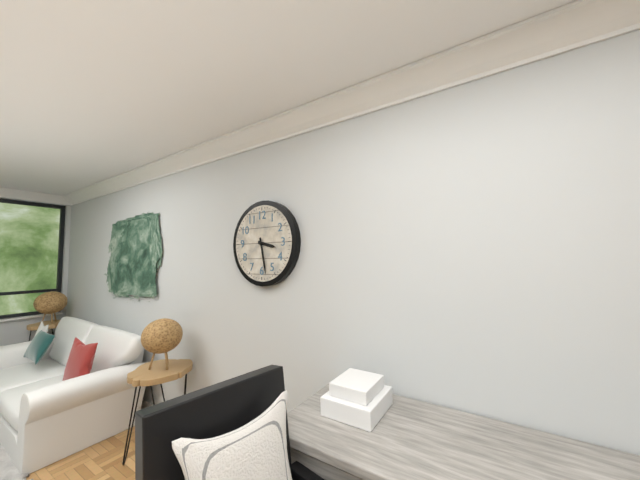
3:28
